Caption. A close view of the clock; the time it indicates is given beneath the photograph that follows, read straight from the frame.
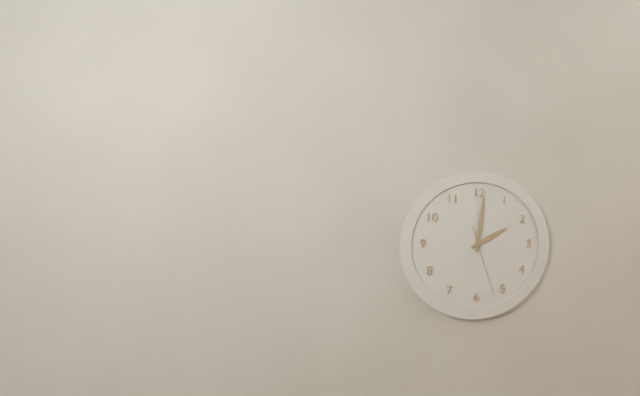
2:01:27
